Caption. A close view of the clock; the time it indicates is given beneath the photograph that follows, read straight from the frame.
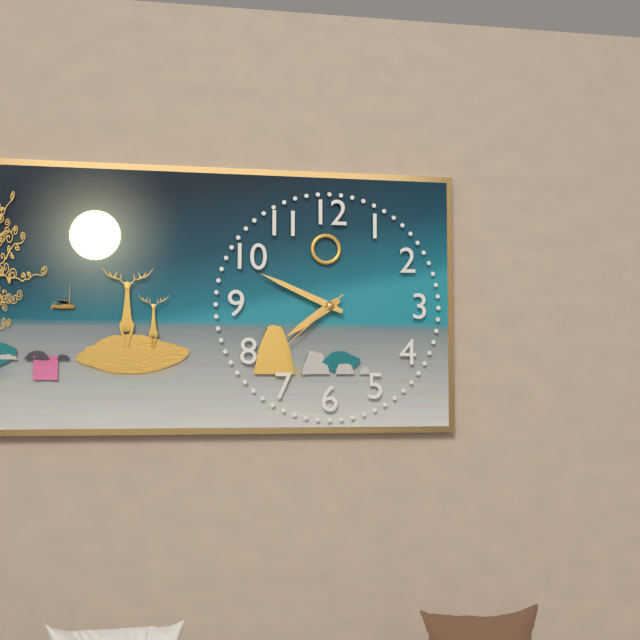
7:49:38
